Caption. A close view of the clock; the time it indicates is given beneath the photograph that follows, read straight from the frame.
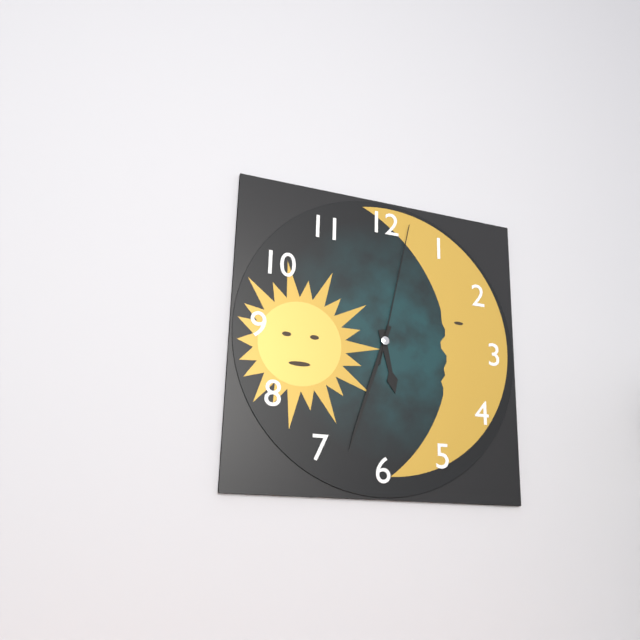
5:33:02
